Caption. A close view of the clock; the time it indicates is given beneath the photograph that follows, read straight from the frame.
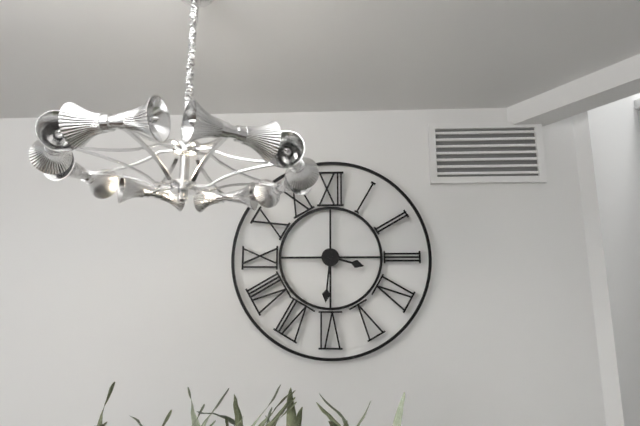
3:31
